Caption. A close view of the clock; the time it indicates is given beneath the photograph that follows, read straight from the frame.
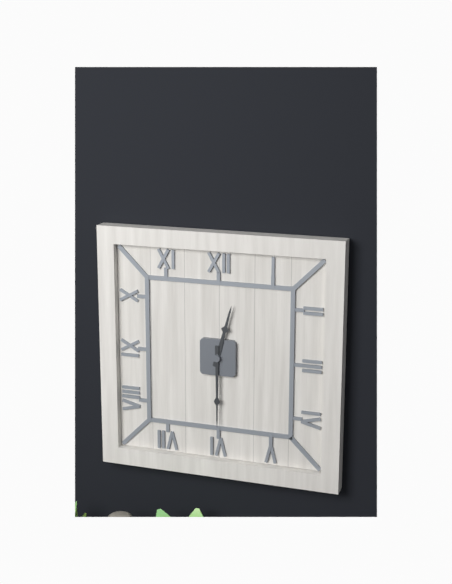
12:30
